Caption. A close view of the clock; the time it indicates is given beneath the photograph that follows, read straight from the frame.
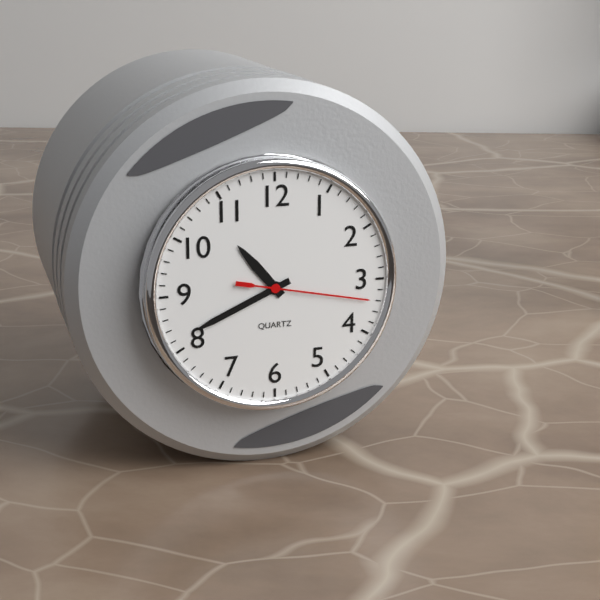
10:41:17
